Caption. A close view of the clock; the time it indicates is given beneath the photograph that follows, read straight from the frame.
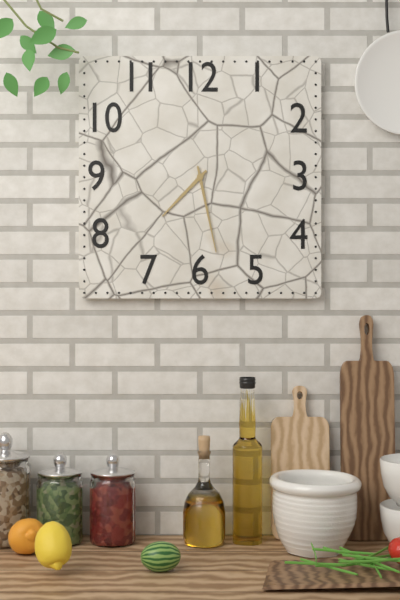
7:28
